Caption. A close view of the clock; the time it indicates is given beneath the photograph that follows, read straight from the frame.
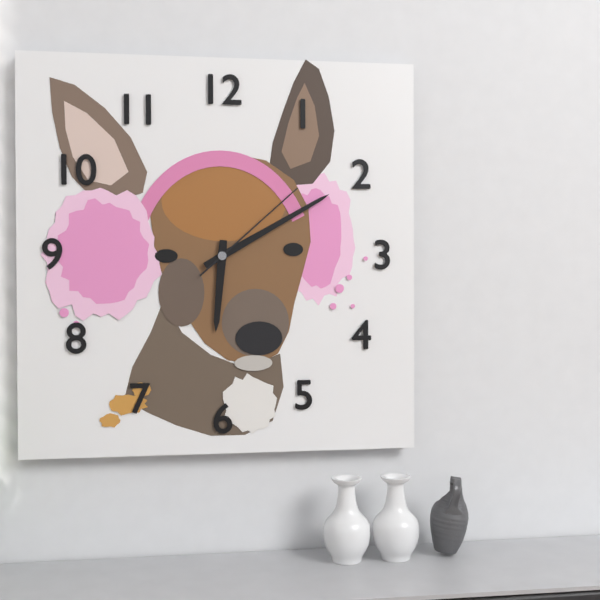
6:10:08
